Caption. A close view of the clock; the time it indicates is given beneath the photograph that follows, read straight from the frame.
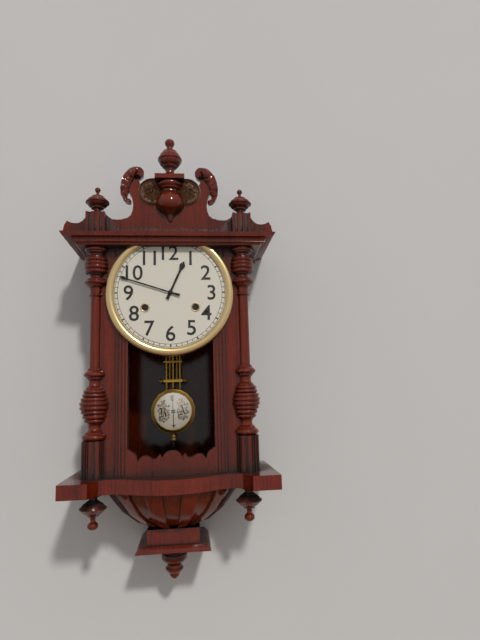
12:48
